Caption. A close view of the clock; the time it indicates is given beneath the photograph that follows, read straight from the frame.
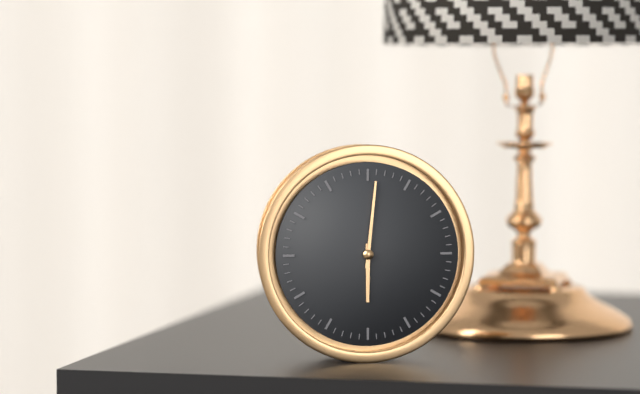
6:01
